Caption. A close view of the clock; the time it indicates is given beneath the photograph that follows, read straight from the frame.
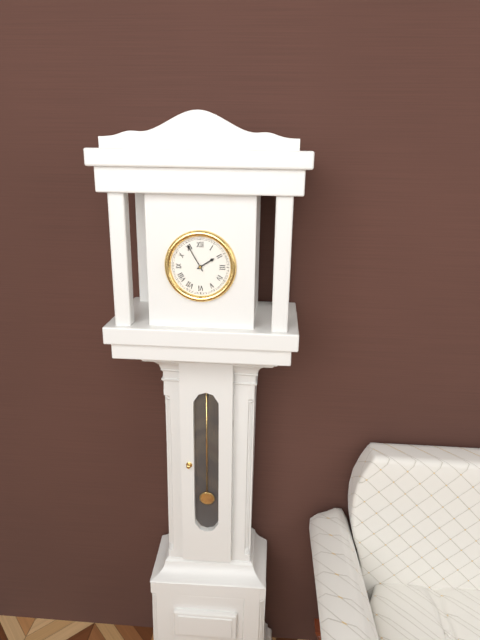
1:55
